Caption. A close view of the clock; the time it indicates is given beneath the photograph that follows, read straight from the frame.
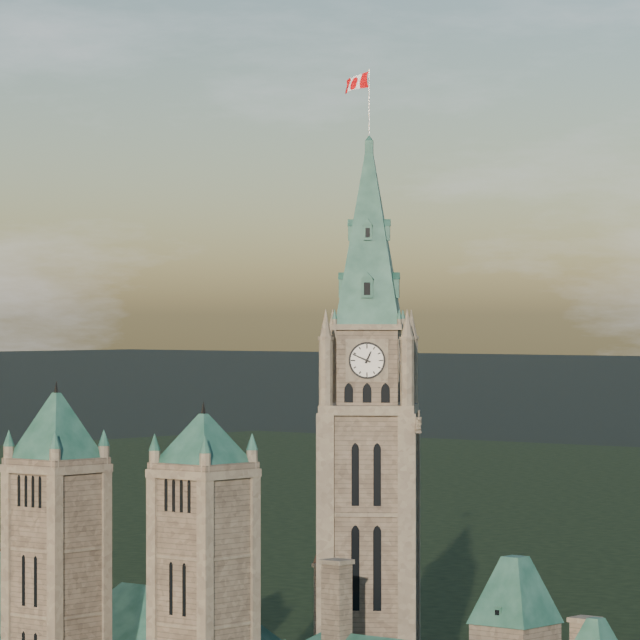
12:49
